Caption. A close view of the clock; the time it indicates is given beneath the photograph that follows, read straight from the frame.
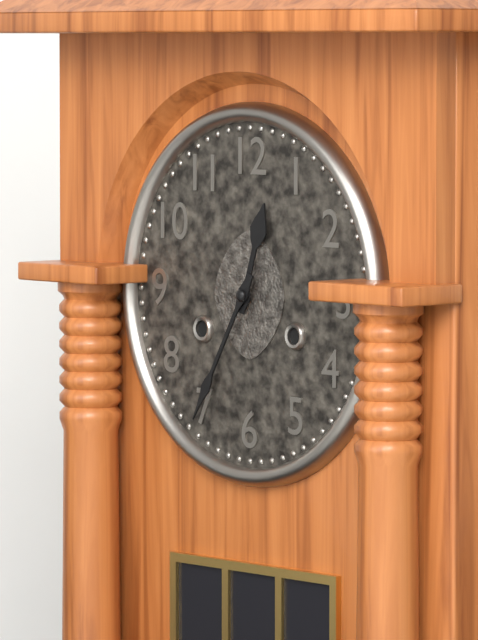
12:35
